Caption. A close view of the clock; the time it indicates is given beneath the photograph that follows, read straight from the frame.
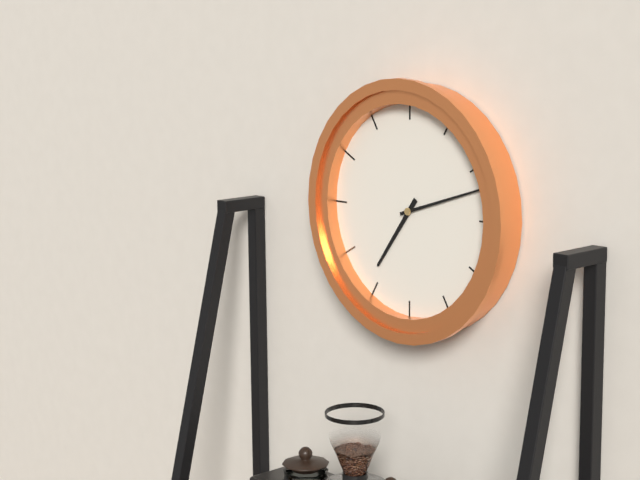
7:12
